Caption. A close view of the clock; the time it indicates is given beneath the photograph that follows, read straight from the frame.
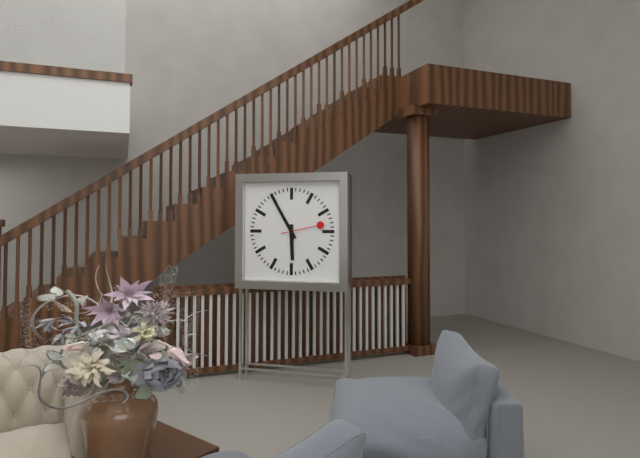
5:55
